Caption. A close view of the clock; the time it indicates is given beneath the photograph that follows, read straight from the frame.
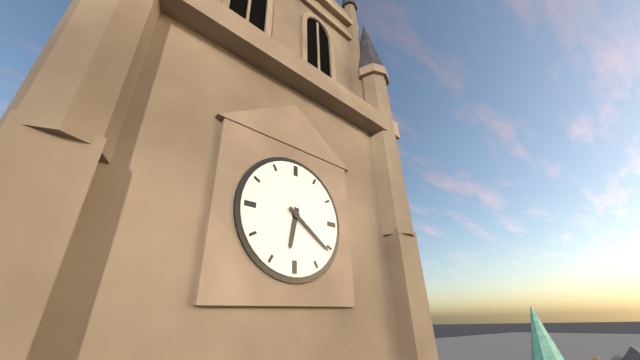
6:21
